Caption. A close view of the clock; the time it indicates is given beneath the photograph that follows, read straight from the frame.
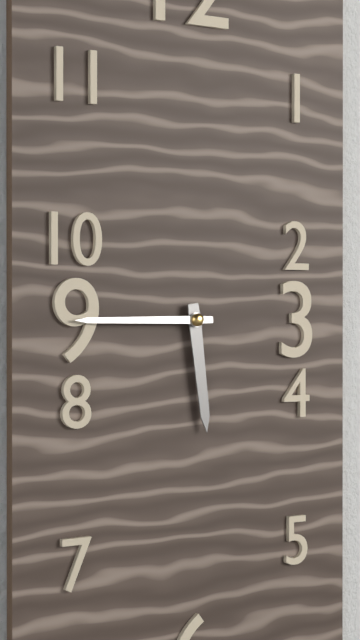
5:45
